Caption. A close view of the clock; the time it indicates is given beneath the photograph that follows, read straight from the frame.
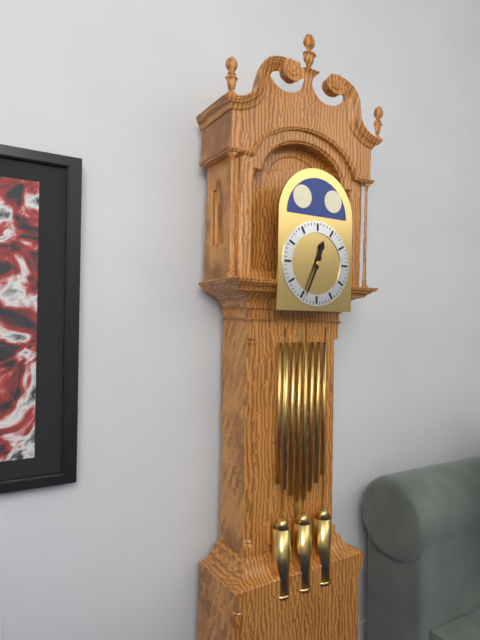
12:34
